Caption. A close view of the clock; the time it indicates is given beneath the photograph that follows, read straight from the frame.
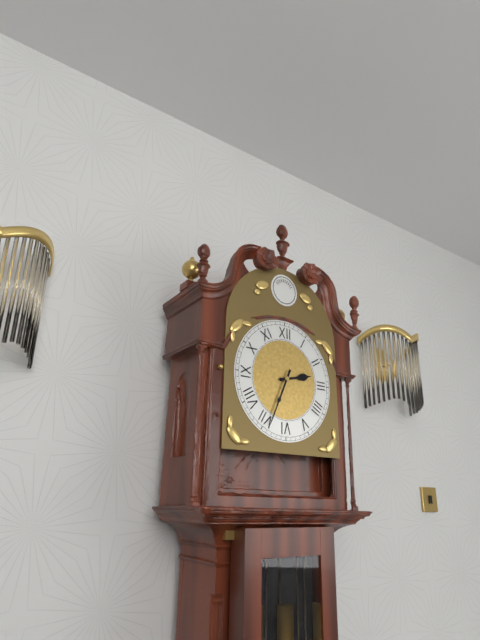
2:34
